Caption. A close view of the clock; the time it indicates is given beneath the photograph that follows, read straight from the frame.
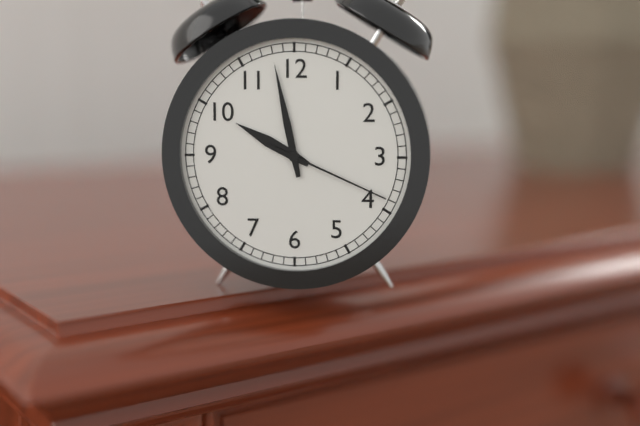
9:58:19
